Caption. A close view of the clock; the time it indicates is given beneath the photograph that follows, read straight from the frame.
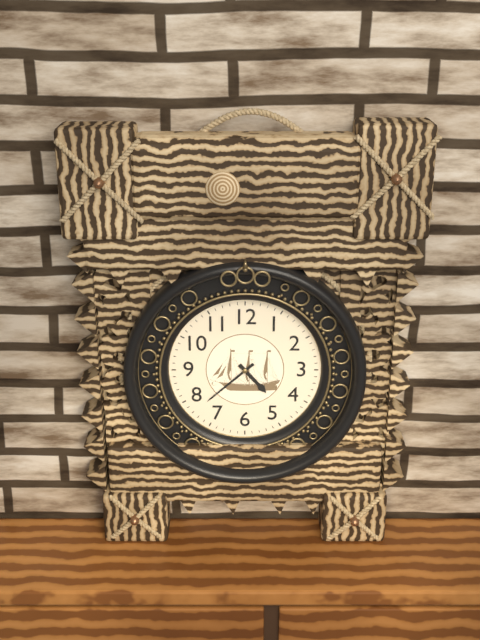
4:38
